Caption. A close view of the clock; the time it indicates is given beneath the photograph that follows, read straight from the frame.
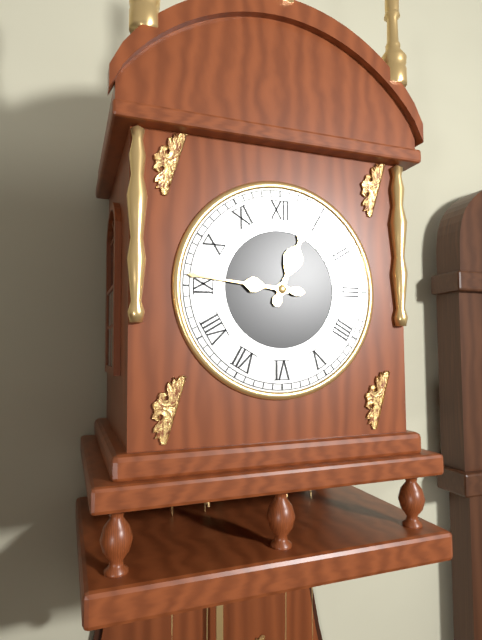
12:46
